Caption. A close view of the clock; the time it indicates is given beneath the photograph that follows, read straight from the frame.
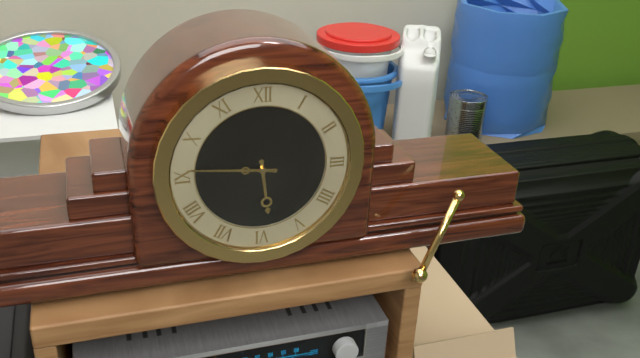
5:46
